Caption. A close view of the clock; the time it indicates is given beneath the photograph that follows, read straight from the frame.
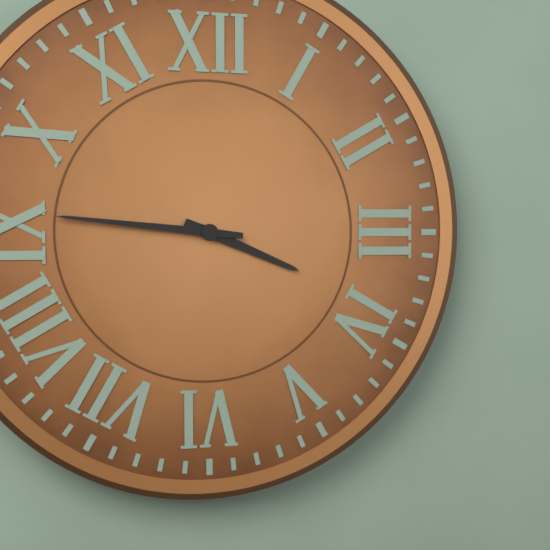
3:46
